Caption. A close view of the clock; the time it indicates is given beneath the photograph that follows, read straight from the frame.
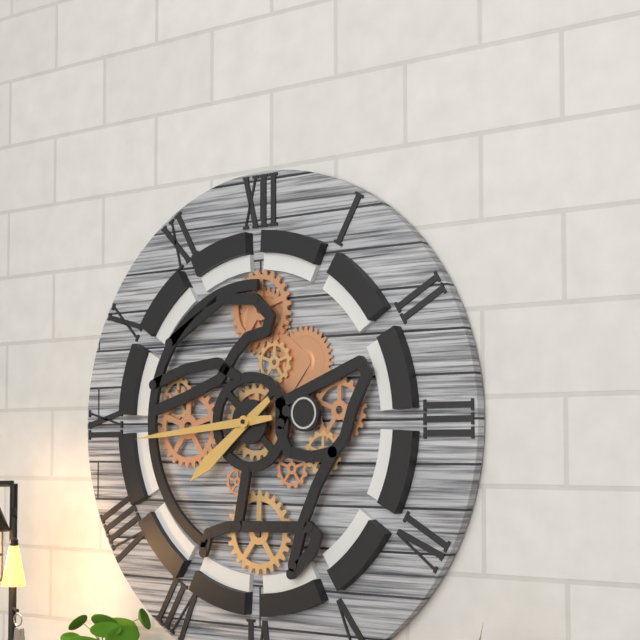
7:44
